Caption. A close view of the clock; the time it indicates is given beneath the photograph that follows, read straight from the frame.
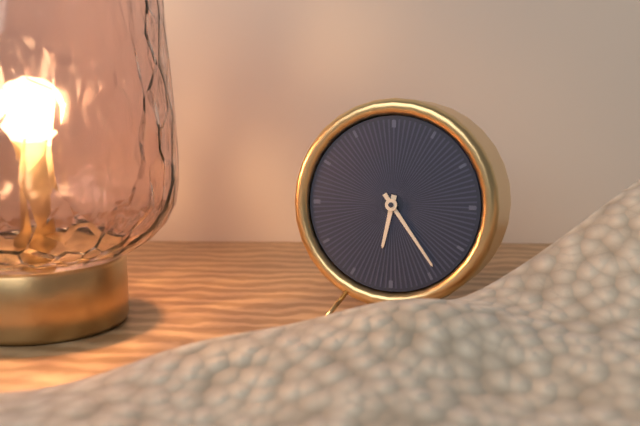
6:24
